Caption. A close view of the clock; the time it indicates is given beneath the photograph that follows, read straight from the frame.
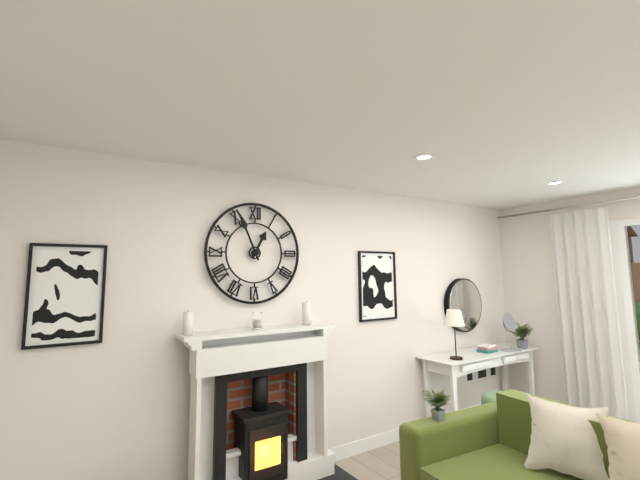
12:56
